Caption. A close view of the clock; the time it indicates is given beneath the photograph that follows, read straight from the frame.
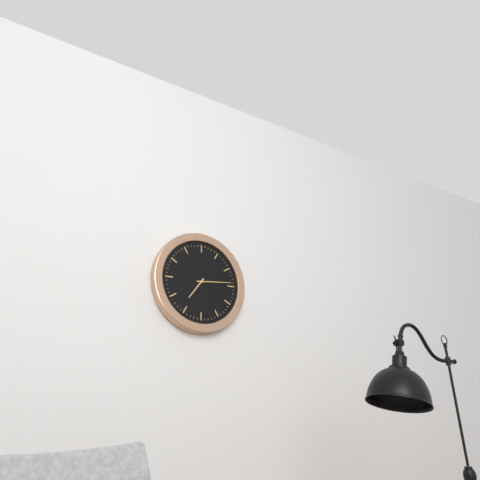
7:14
